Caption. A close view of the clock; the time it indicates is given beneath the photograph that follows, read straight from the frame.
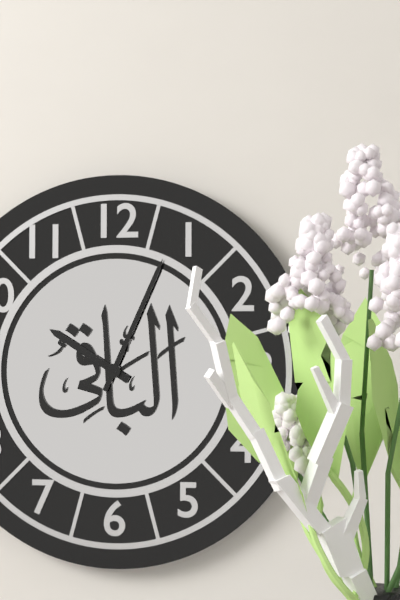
10:04
